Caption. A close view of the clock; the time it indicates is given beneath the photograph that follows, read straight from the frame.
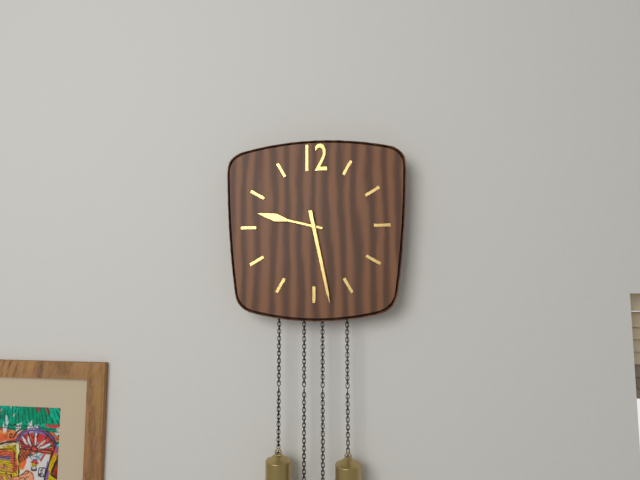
9:28
